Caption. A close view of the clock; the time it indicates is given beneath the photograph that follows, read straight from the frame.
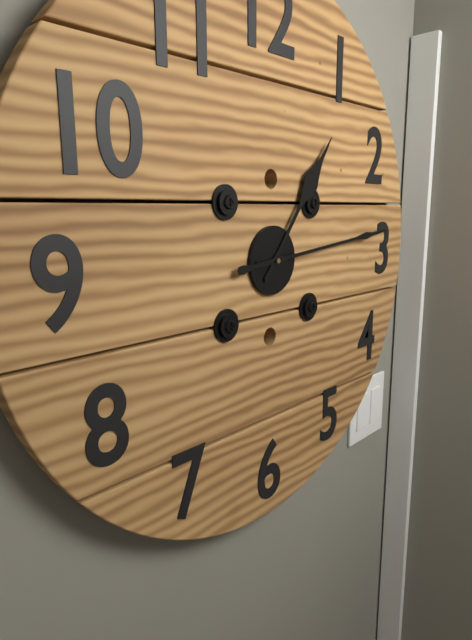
1:14
